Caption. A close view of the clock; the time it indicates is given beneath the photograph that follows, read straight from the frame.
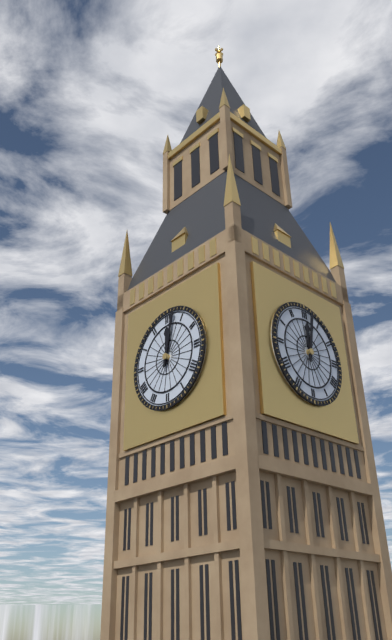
12:02
